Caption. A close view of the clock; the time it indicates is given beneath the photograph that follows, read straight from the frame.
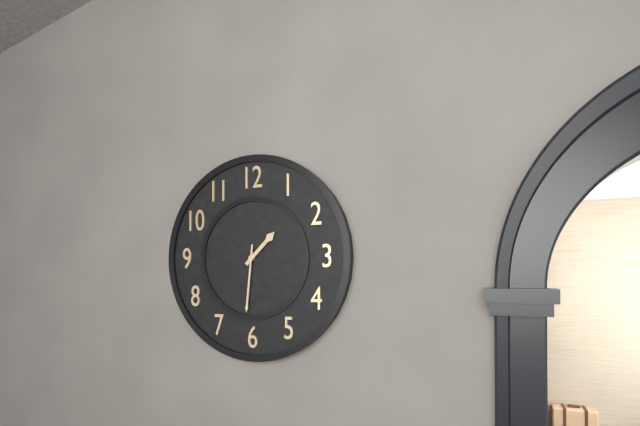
1:31
